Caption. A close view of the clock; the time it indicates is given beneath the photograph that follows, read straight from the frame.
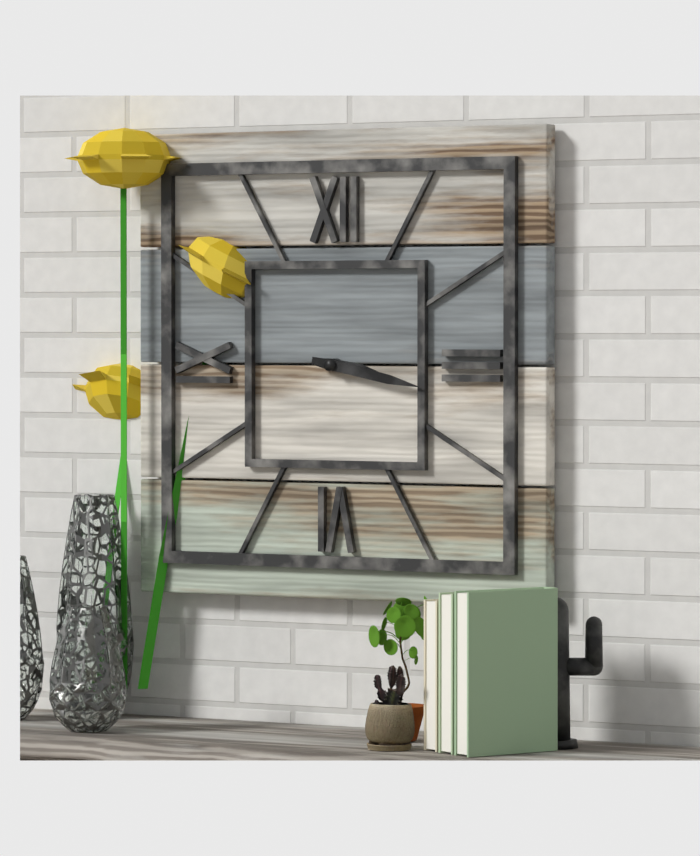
3:17
